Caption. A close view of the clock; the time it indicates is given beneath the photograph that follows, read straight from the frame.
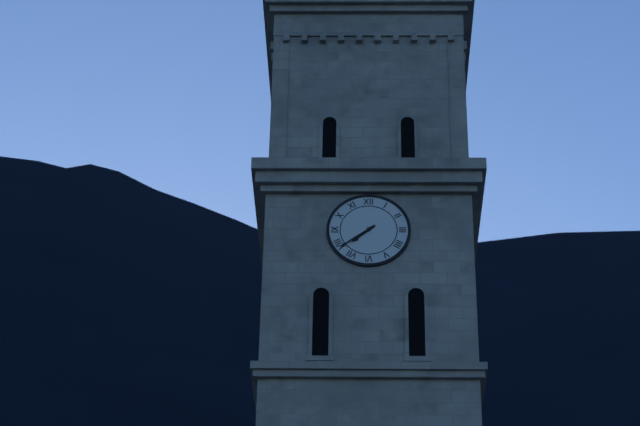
7:39
